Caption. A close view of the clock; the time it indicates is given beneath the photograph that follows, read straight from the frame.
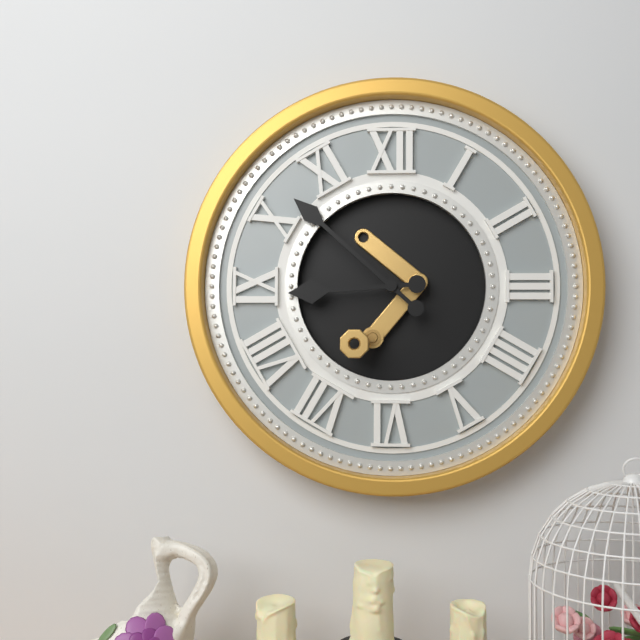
8:52
